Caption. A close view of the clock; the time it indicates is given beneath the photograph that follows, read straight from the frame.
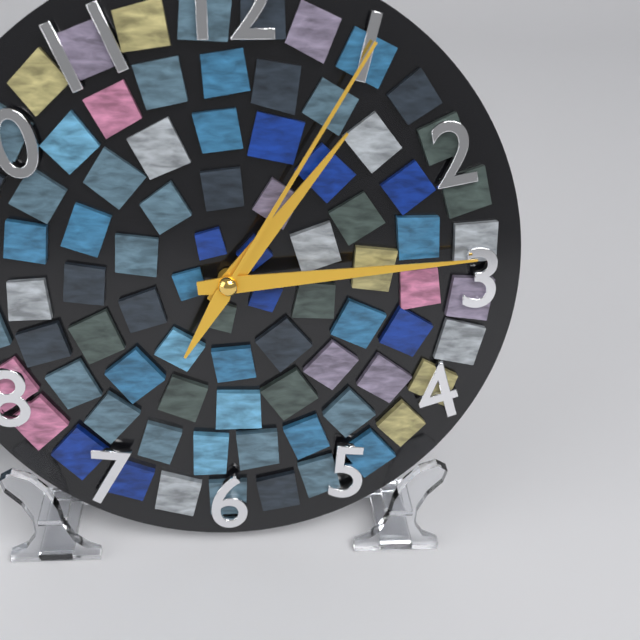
1:14:05
